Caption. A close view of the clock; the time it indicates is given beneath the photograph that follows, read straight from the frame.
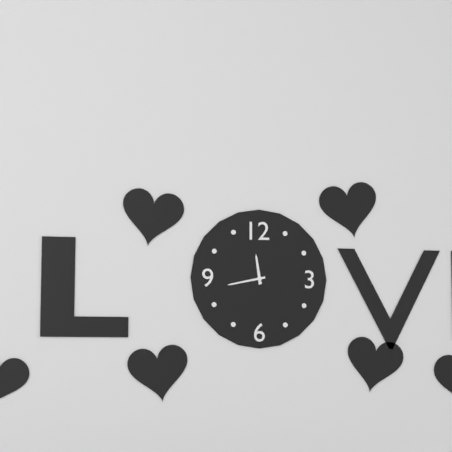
11:43
